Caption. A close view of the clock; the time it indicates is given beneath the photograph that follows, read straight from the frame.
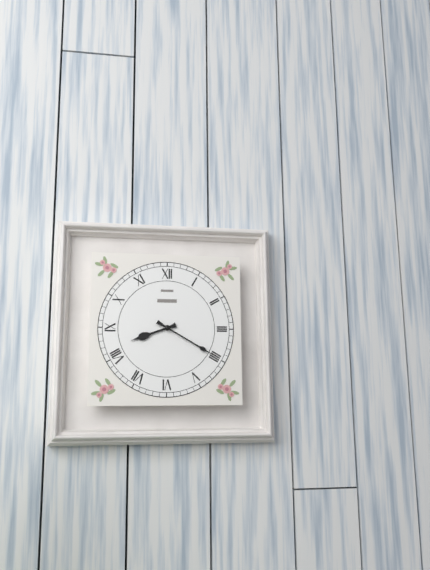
8:20
